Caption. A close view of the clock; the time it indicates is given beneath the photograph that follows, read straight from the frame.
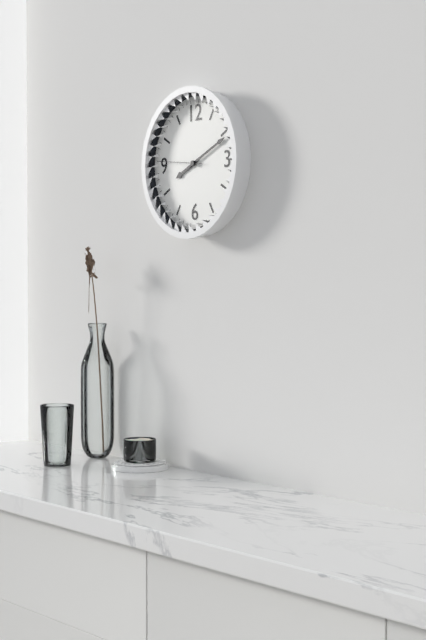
8:11
